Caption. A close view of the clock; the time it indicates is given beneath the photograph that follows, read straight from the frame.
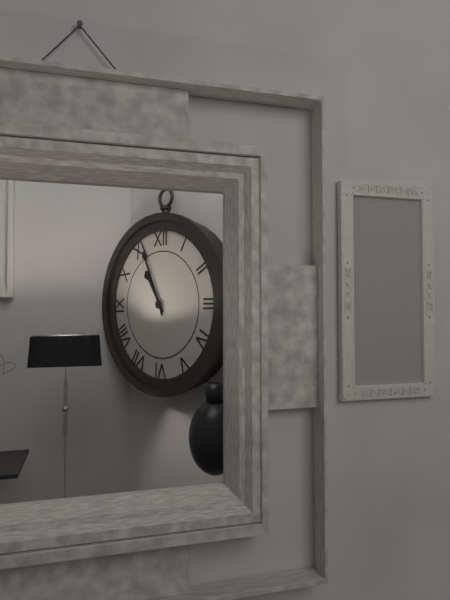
10:56
